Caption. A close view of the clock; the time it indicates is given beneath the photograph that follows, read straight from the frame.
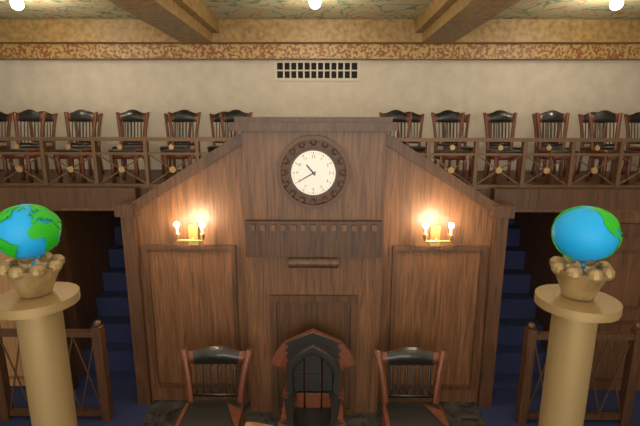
10:40
